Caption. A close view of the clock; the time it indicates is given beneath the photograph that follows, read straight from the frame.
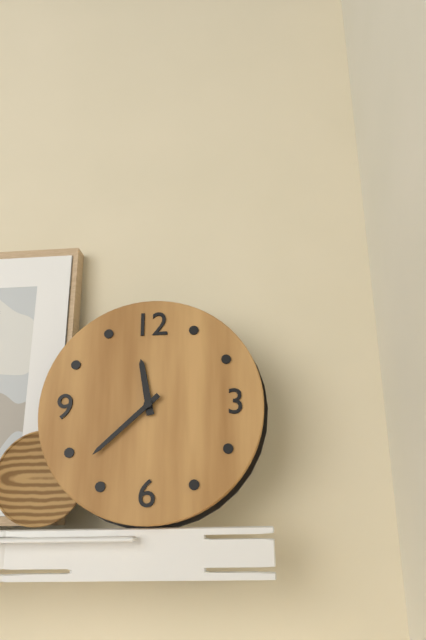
11:38
